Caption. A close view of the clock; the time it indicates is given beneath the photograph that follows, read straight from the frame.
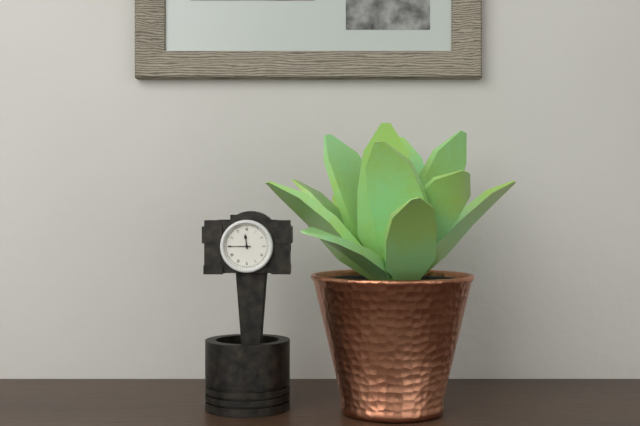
11:45
